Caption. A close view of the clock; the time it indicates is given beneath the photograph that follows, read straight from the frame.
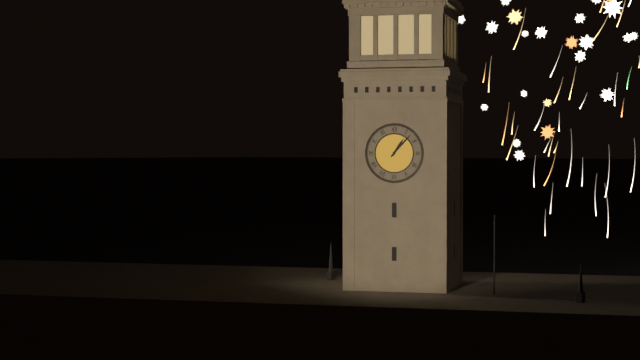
1:07
